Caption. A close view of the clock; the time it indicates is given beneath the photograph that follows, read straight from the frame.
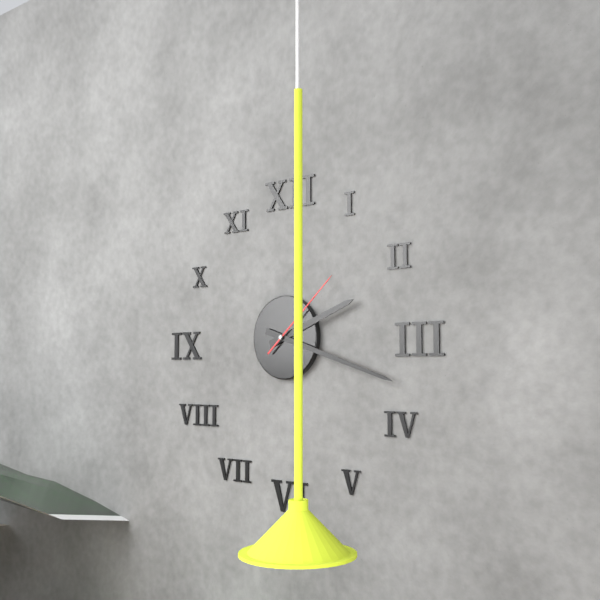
2:18:08
